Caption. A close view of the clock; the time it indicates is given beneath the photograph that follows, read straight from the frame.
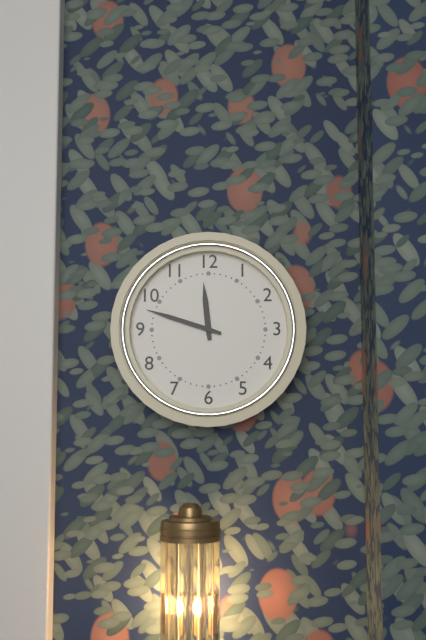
11:48
